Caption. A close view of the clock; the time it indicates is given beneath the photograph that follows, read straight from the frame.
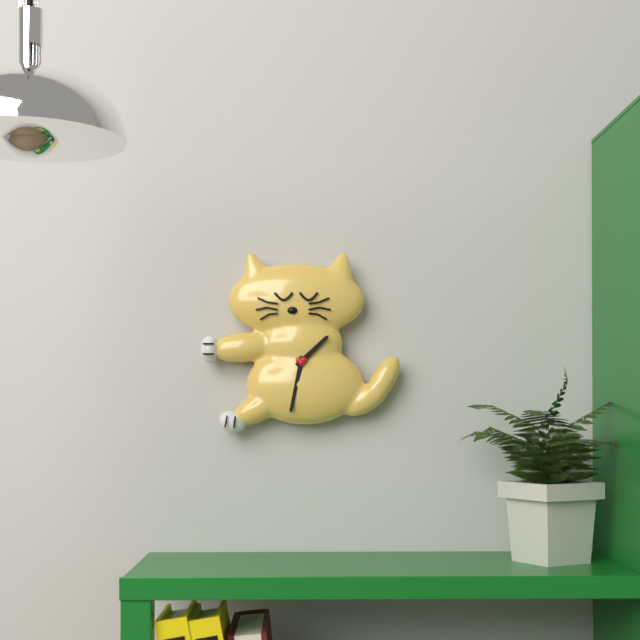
1:32
